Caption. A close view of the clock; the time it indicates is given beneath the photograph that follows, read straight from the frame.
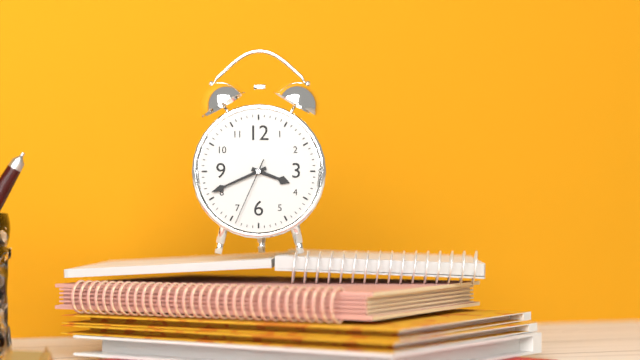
3:41:34
